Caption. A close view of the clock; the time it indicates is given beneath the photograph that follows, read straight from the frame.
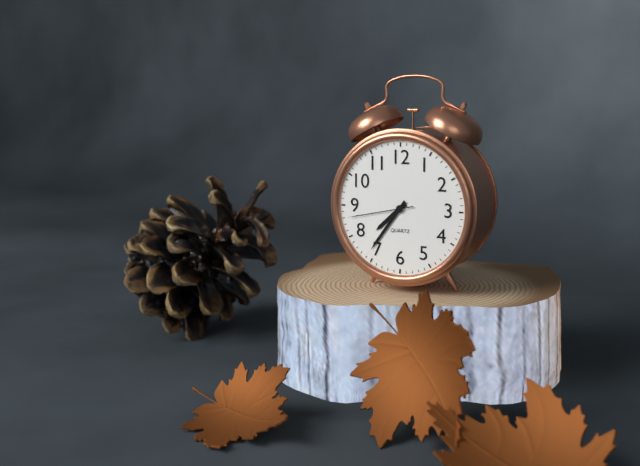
7:36:43
